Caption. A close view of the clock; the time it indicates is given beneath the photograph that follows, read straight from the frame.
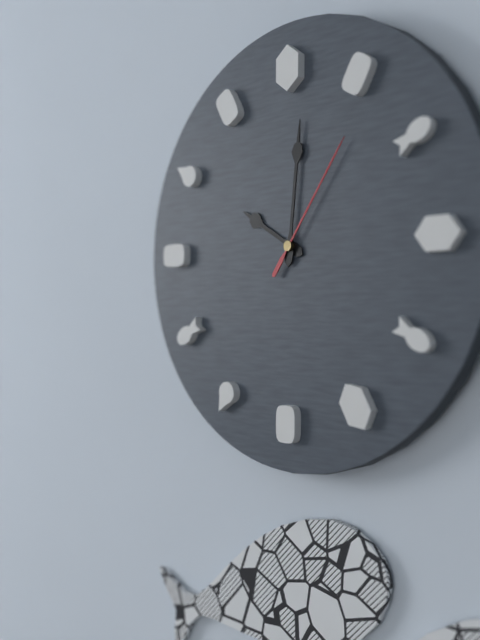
10:01:06
